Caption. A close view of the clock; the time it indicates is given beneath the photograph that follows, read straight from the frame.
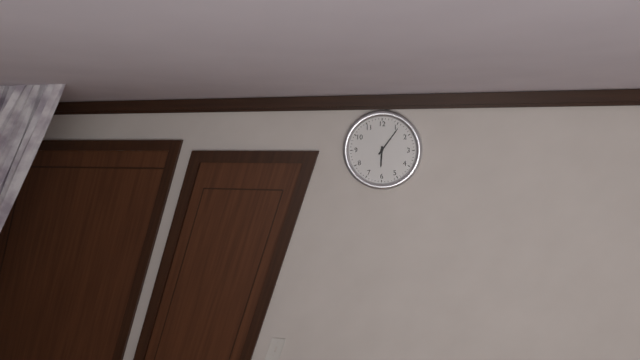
6:06
